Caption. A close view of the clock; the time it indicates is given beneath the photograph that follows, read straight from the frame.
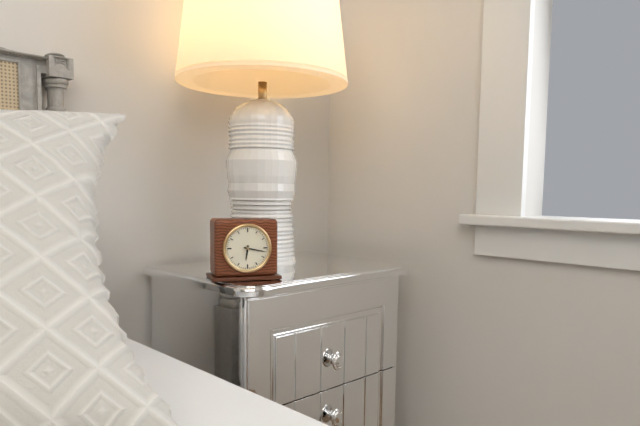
6:17
